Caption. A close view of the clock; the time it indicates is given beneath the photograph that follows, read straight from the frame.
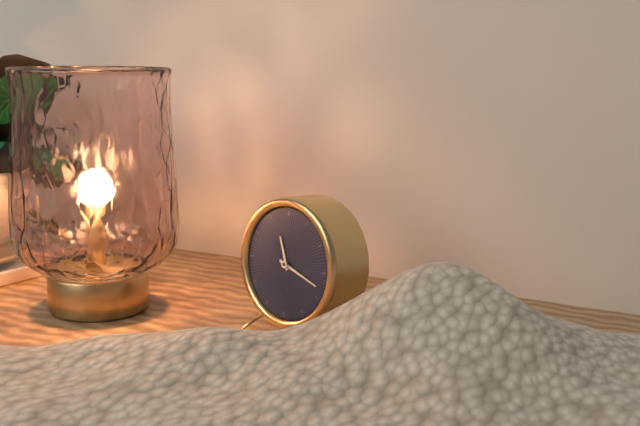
11:18
